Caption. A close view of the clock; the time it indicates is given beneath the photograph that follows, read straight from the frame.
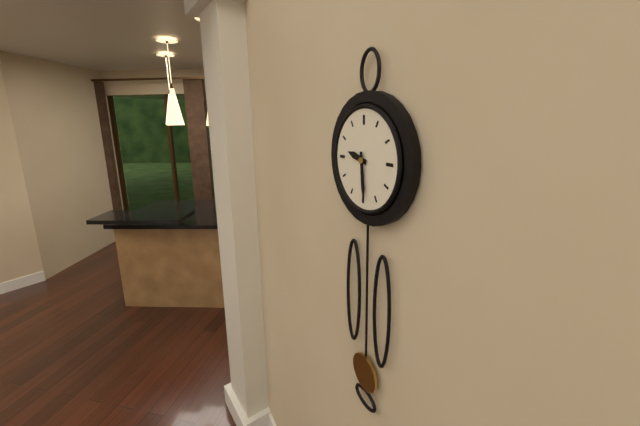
9:29
